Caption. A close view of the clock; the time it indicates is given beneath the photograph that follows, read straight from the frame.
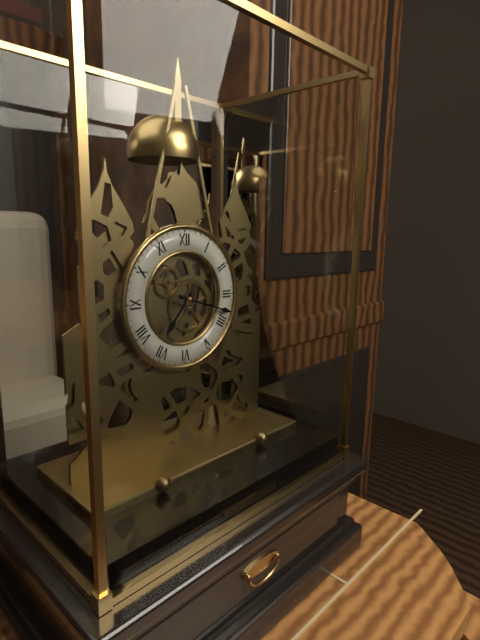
7:18
